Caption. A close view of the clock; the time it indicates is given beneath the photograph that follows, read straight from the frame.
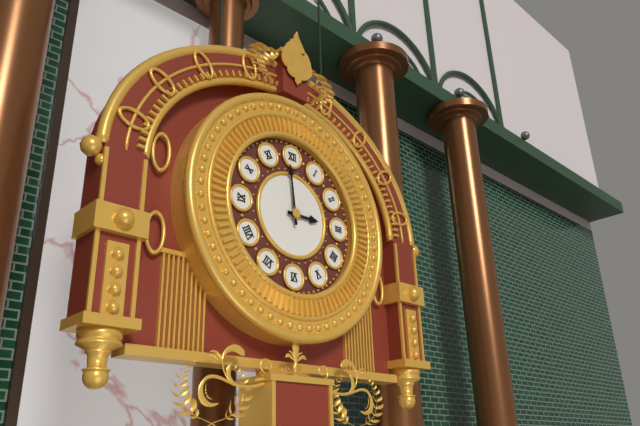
2:59
